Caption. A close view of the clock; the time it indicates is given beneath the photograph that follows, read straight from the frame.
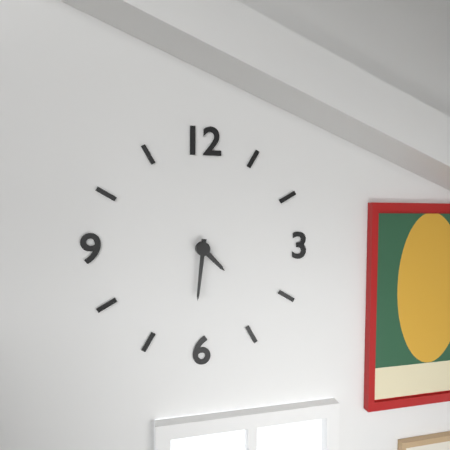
4:31
